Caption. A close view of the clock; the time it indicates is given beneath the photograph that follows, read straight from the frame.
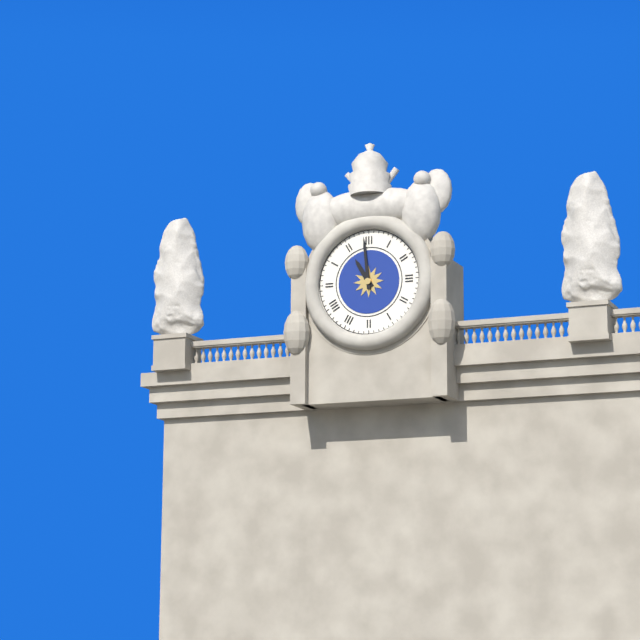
10:59
